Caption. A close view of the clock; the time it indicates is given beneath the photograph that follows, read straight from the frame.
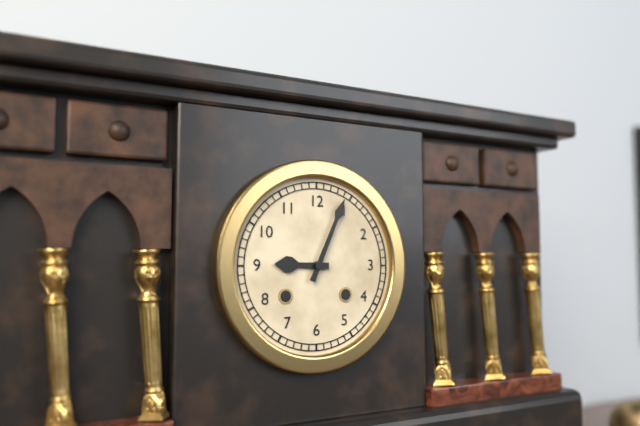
9:04
